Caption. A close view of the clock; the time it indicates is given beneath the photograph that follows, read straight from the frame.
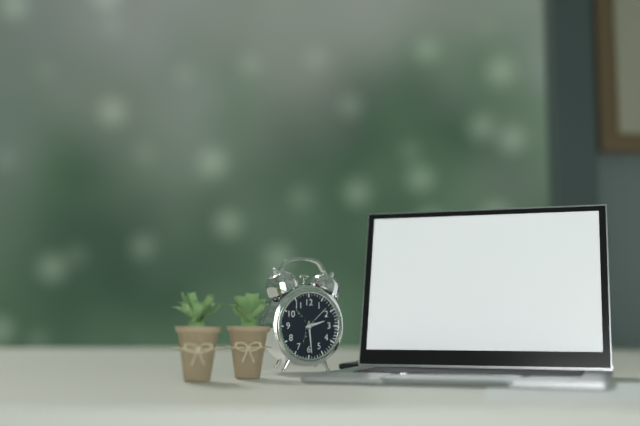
2:29
